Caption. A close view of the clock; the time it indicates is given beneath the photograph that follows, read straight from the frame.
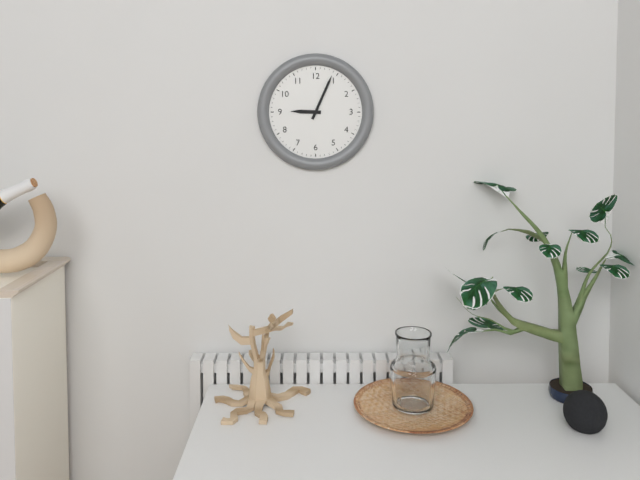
9:04
